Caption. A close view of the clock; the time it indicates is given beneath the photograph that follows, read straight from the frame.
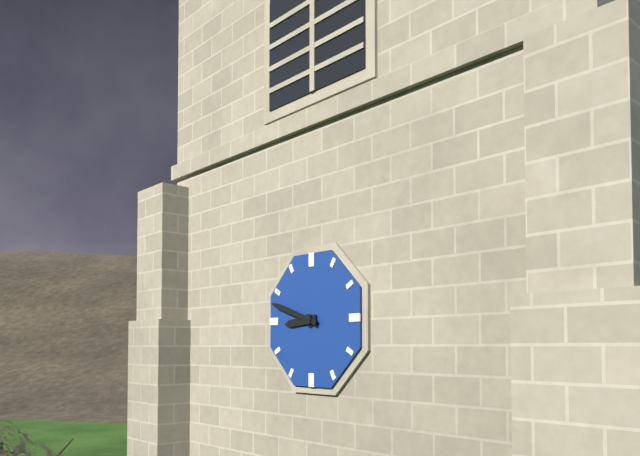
8:48
